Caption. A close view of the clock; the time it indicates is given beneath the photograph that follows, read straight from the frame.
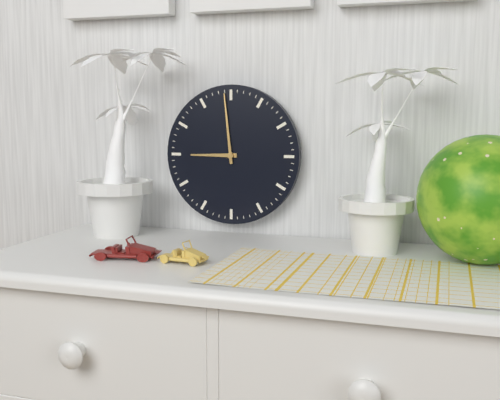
8:59
